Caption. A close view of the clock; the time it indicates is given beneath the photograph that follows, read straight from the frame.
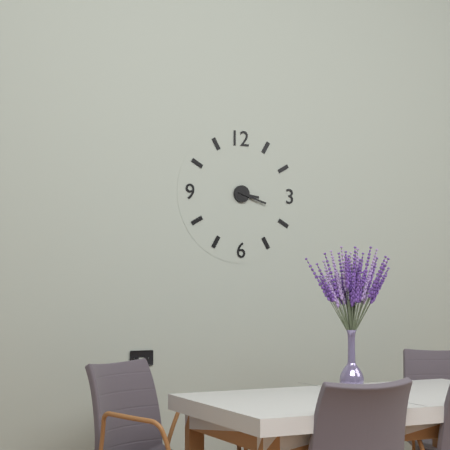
3:18
